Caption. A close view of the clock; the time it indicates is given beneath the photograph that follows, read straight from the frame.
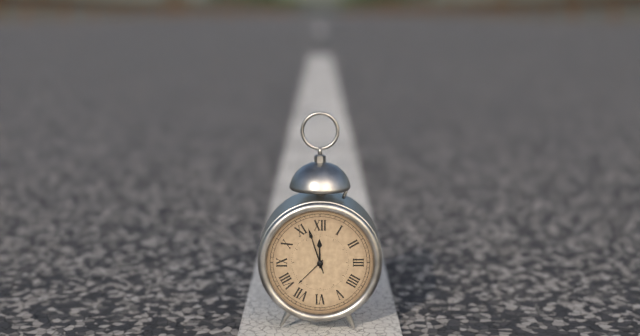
11:57
